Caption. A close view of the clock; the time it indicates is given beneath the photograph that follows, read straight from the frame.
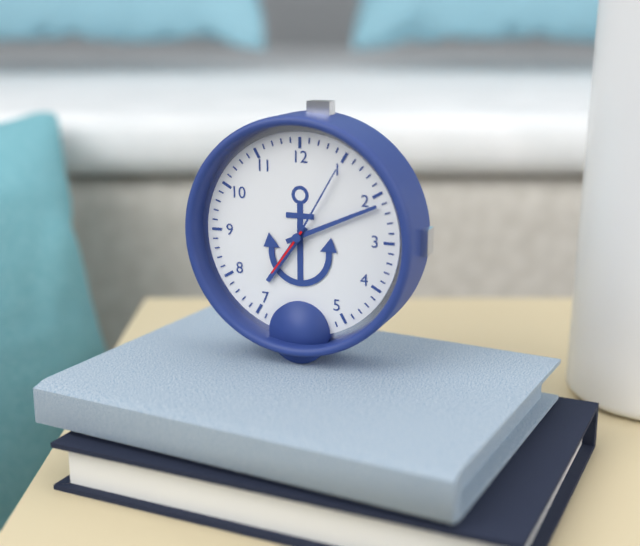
7:11:36
